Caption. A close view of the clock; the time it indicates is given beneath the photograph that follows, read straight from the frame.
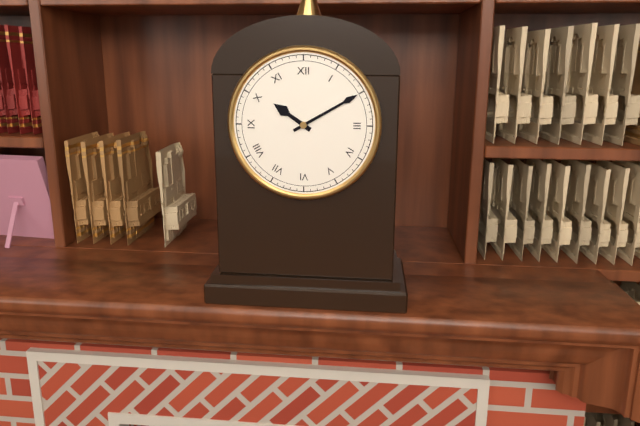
10:10
